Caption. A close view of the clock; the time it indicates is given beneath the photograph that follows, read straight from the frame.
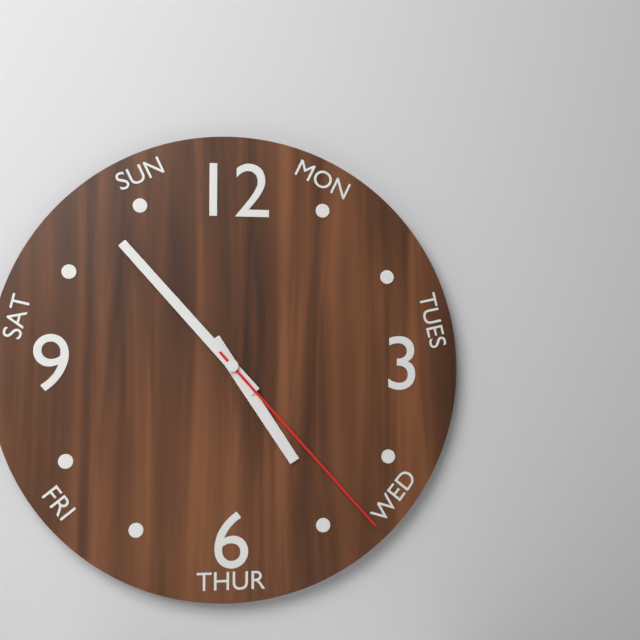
4:53:23
